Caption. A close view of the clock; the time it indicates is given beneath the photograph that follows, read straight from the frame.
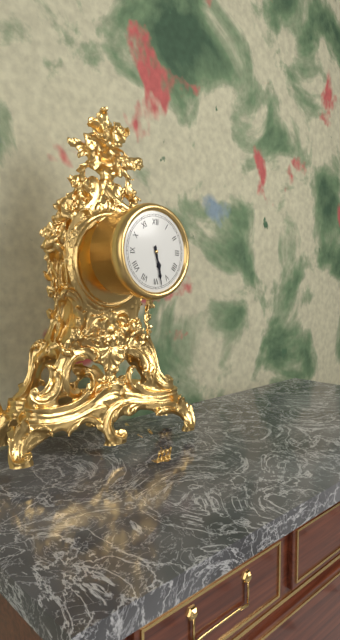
5:28
